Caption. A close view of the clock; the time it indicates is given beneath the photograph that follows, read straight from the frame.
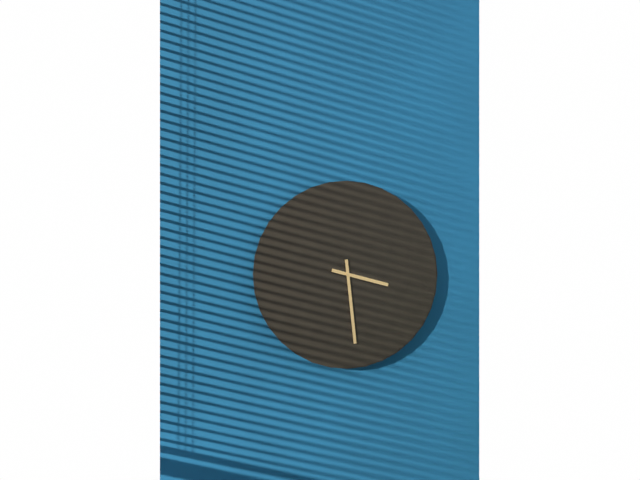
3:29
